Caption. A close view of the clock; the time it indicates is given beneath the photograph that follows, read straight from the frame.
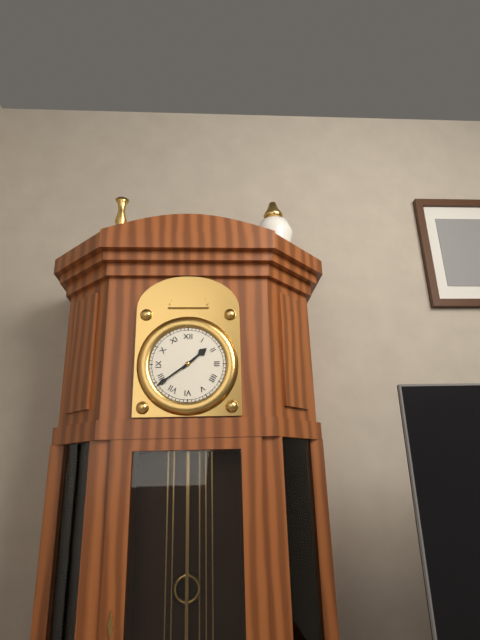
1:39
